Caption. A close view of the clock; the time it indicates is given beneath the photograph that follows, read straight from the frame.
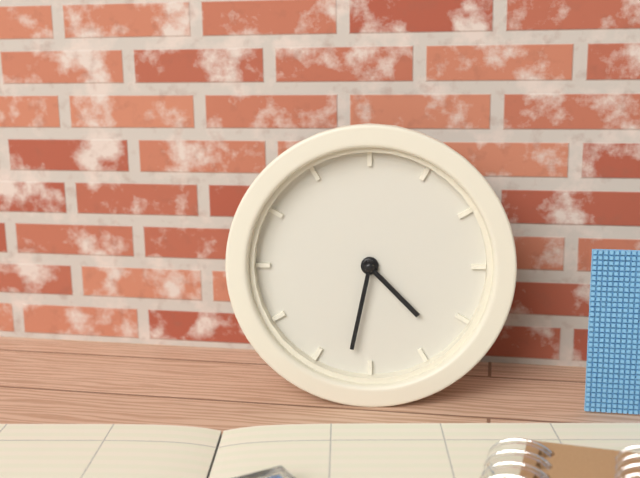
4:32
